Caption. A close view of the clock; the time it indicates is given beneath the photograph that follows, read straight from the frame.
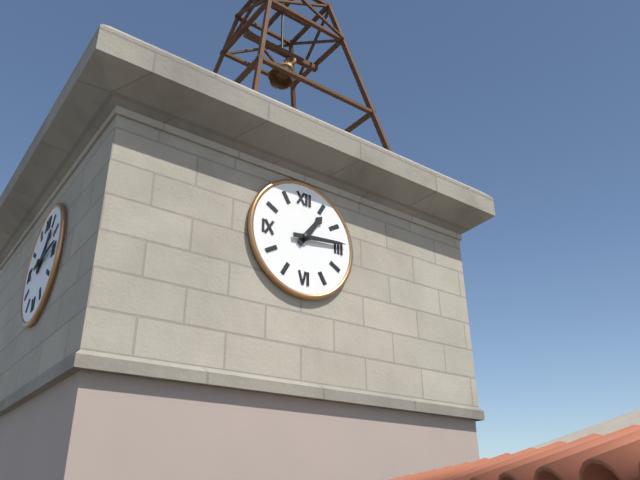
1:14
